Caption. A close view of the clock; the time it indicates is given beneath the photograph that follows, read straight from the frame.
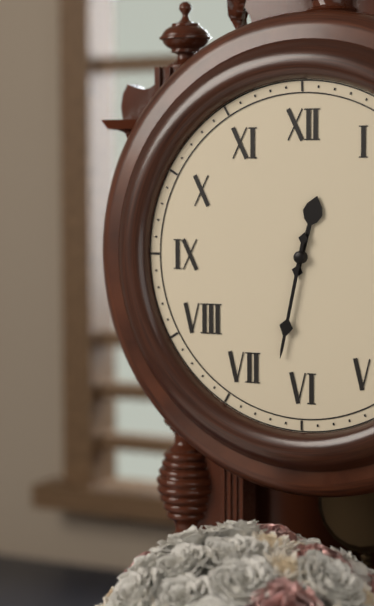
12:32
